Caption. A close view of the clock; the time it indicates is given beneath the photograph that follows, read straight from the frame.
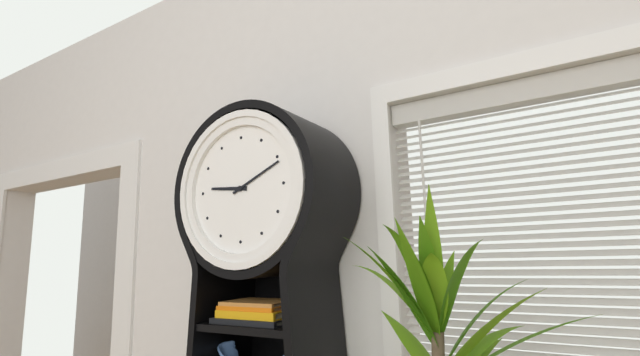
9:11
